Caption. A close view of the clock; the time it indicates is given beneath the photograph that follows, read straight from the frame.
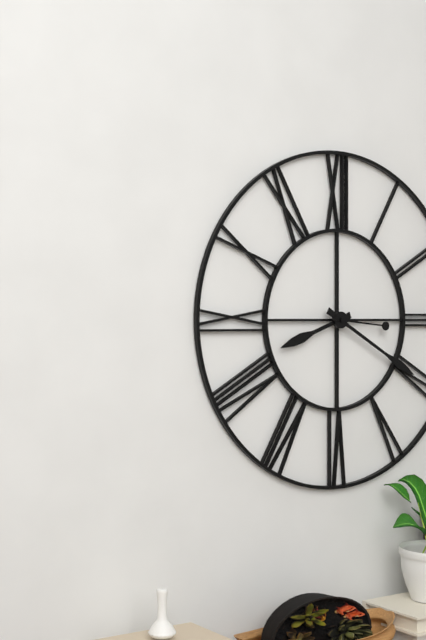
8:20:16
